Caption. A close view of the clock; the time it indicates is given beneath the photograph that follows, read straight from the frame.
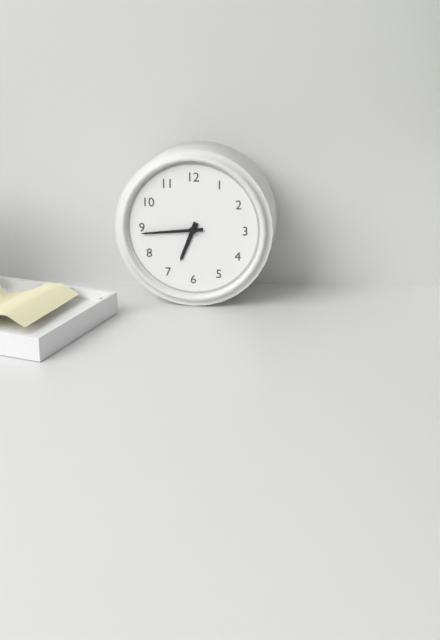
6:44
